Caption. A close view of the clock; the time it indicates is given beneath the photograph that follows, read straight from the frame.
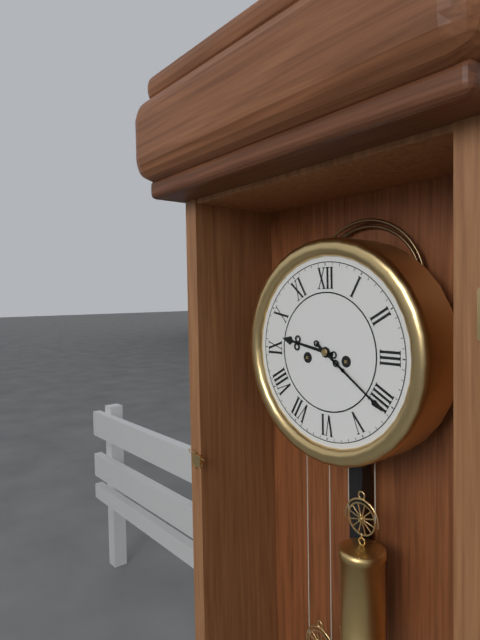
9:21
